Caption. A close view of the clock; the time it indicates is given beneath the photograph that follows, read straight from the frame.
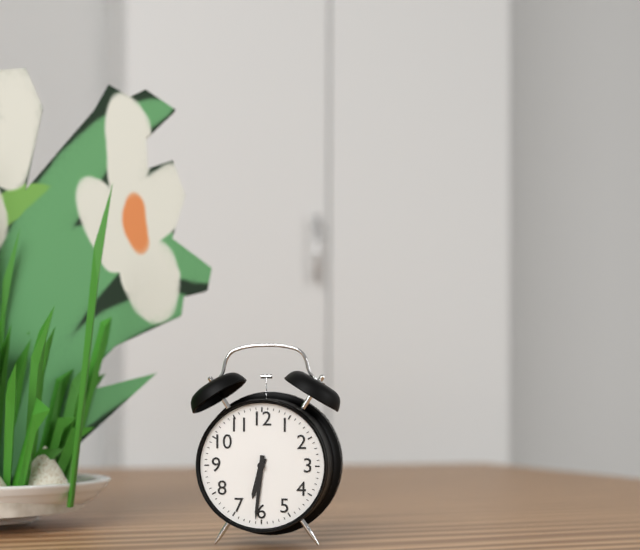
6:31
